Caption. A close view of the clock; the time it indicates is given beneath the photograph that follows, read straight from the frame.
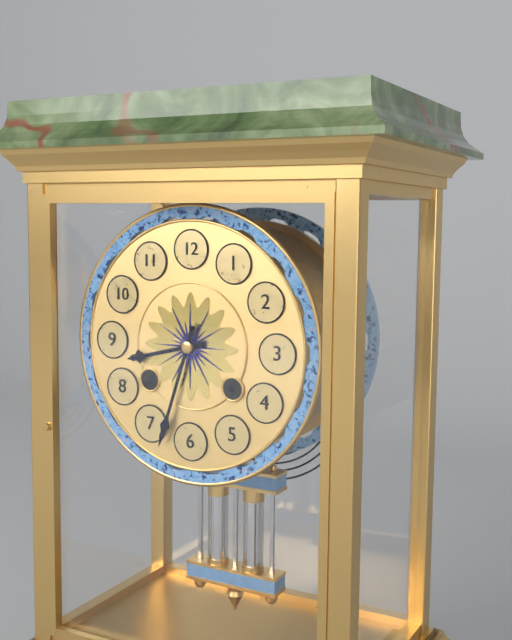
8:33
